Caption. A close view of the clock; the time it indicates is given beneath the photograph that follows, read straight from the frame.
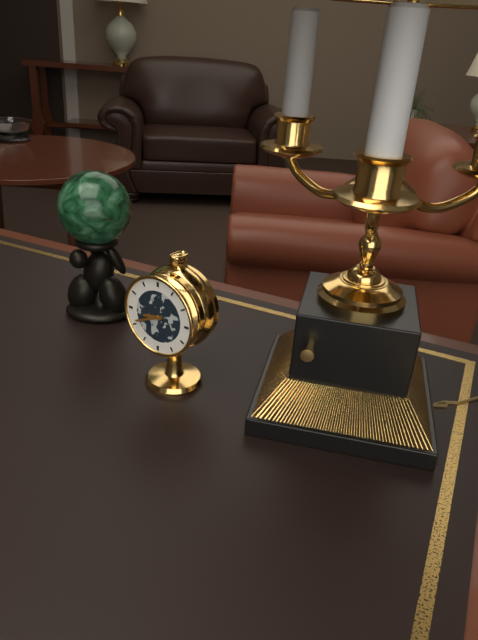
8:41
